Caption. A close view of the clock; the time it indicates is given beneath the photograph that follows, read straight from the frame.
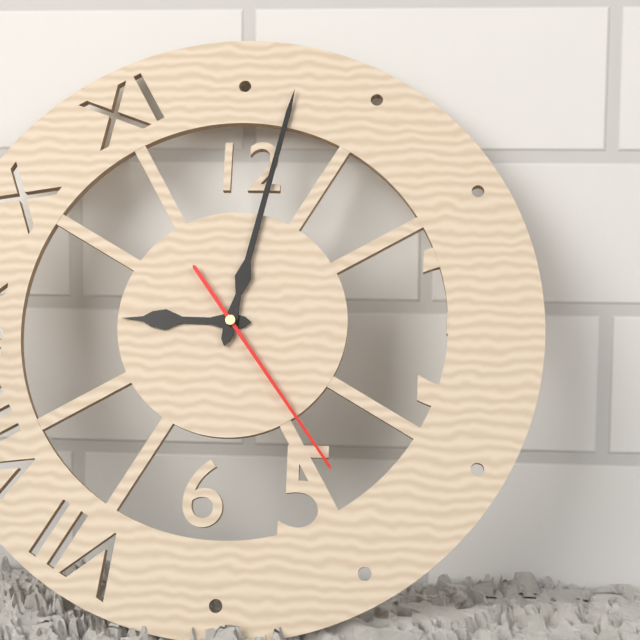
9:02:24
